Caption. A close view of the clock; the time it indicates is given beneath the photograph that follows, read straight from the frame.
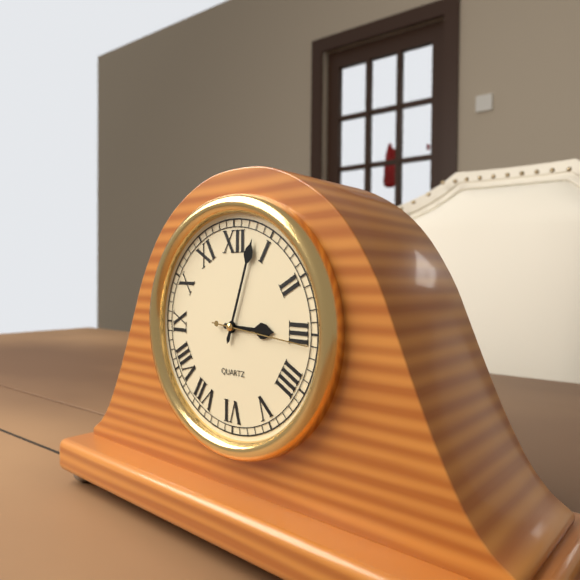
3:03:16
